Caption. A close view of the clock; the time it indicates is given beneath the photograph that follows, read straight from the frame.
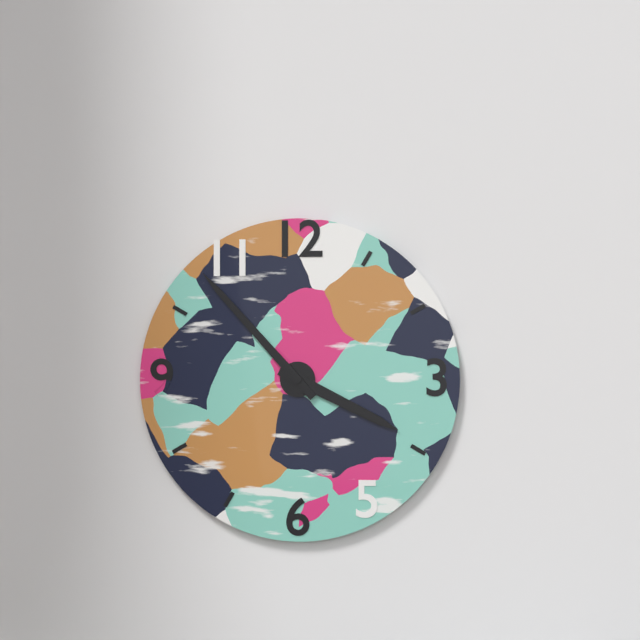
3:53
